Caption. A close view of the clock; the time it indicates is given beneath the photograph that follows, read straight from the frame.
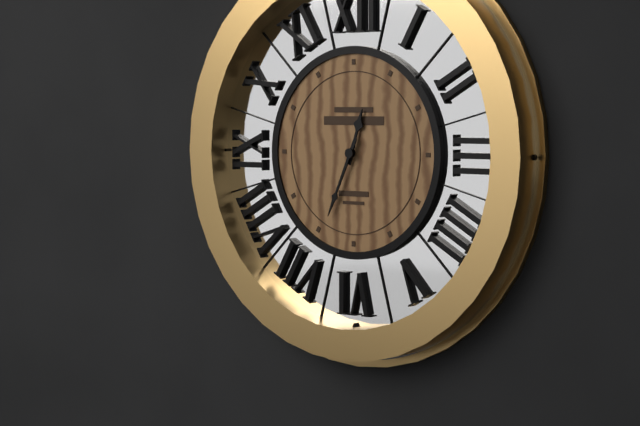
12:34
